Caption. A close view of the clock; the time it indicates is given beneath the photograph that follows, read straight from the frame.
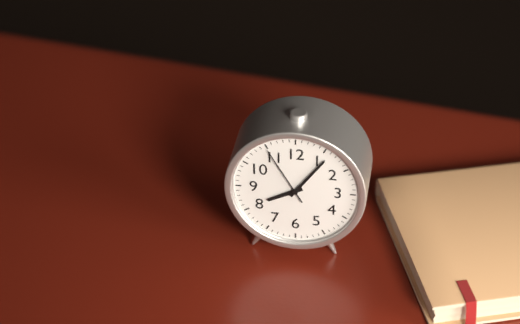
8:06:55
